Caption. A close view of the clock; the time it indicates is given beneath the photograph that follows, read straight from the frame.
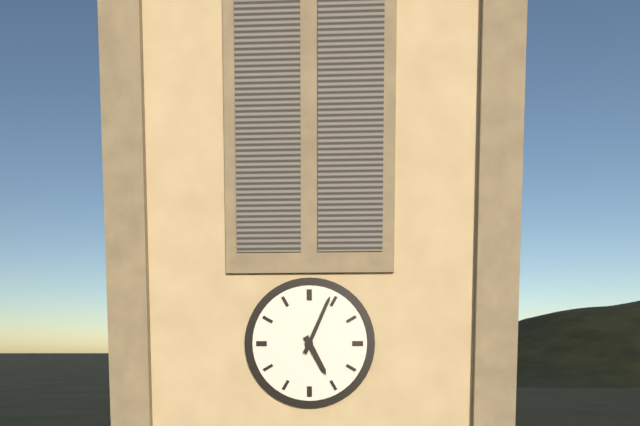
5:04
